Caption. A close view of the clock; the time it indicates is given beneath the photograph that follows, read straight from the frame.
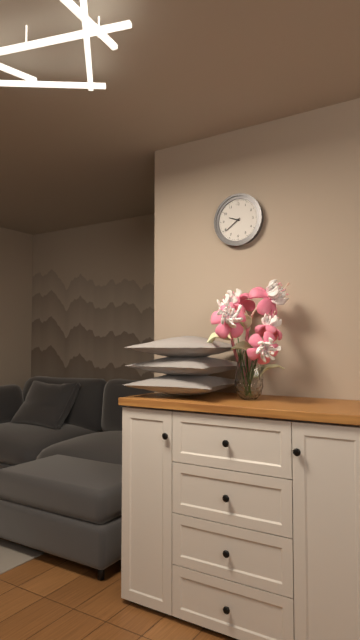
9:39
